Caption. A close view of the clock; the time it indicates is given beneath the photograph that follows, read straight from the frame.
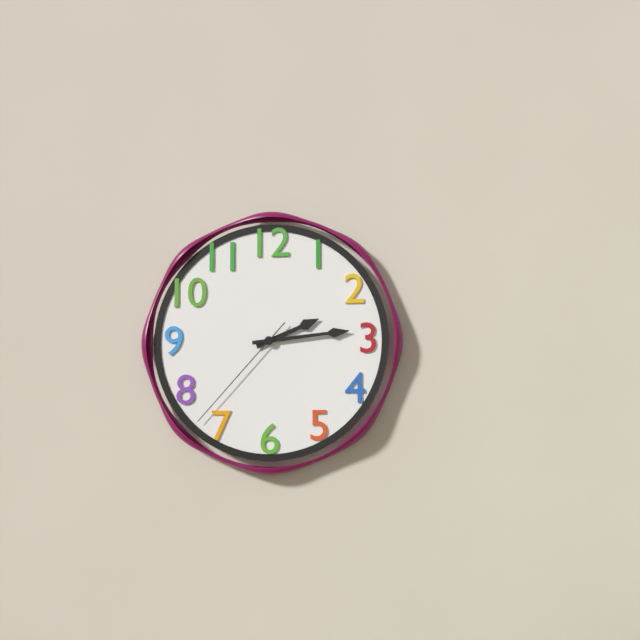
2:14:37
